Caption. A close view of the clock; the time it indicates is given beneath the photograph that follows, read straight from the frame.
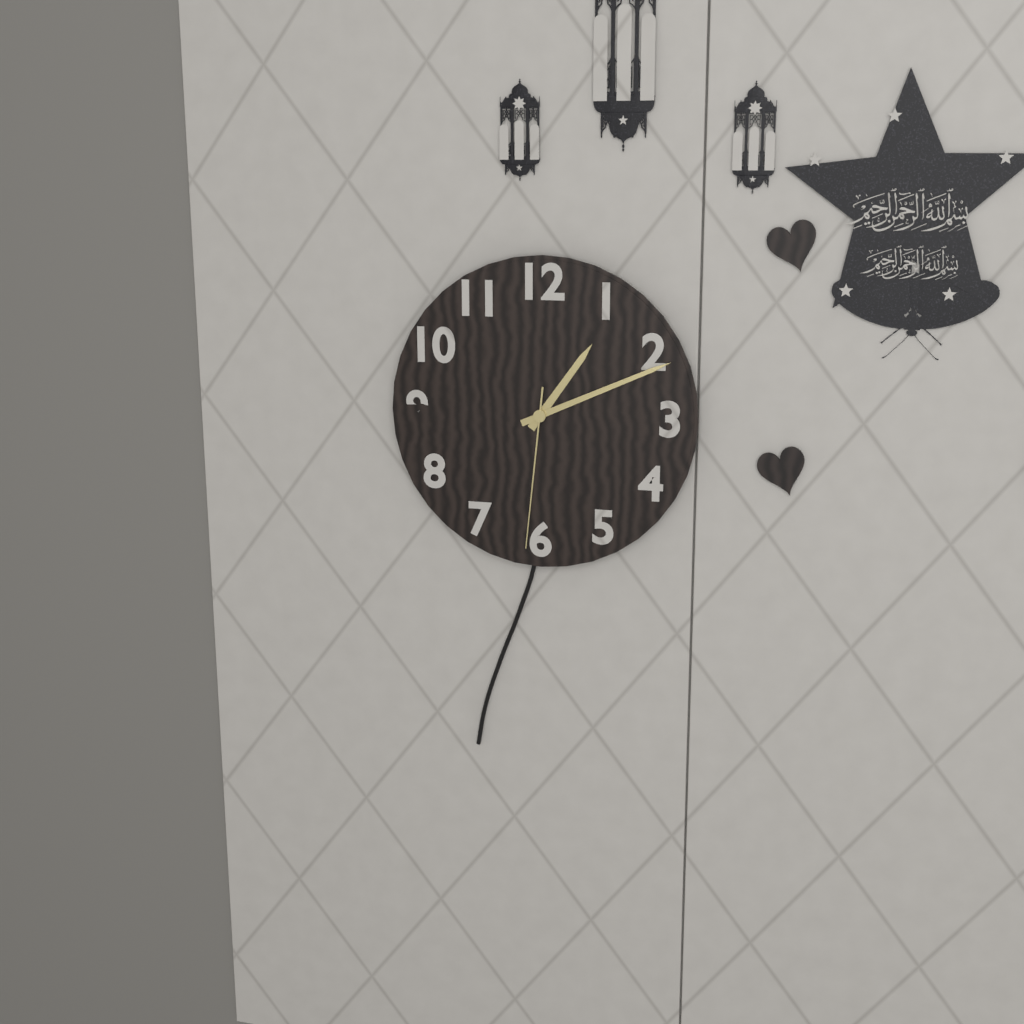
1:11:31
